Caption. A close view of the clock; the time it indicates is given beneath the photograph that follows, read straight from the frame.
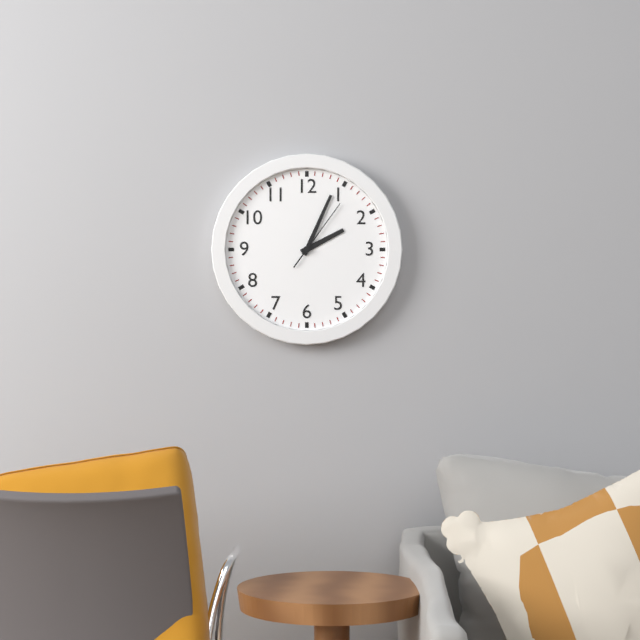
2:04:06
